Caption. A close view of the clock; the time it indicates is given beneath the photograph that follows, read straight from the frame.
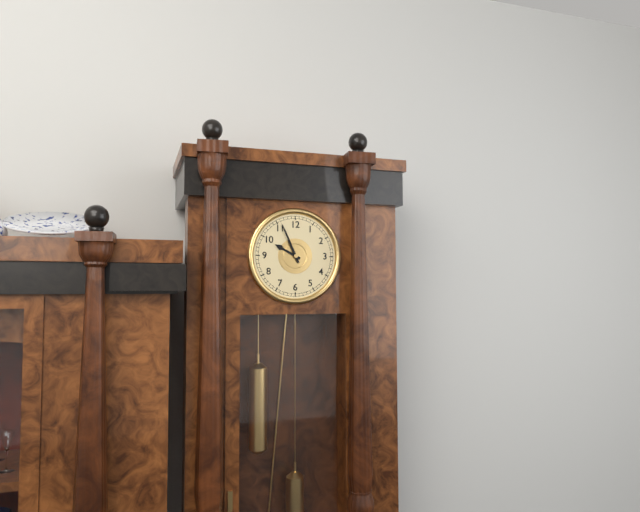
9:56
